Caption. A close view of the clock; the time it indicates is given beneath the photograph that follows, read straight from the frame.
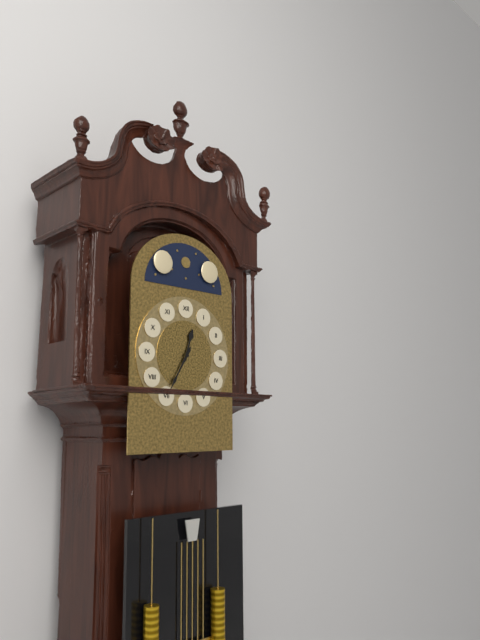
12:35
